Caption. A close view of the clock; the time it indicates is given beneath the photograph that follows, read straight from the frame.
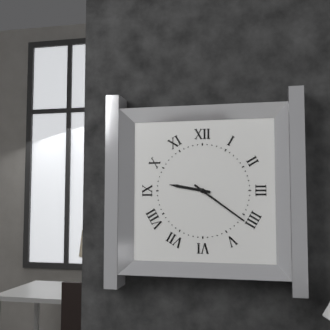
9:21
